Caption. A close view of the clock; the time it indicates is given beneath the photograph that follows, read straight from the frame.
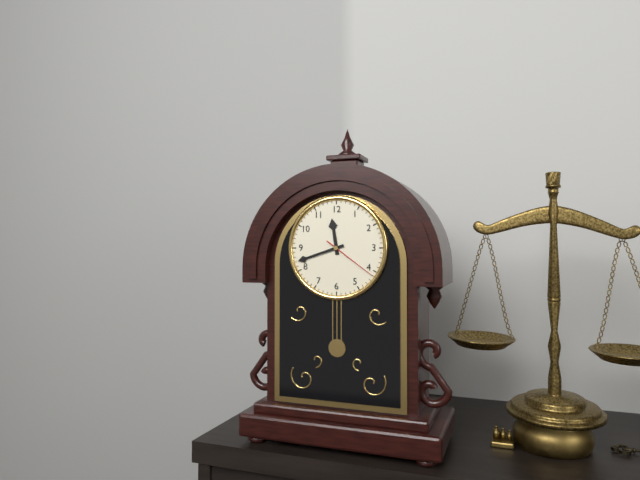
11:42:21
